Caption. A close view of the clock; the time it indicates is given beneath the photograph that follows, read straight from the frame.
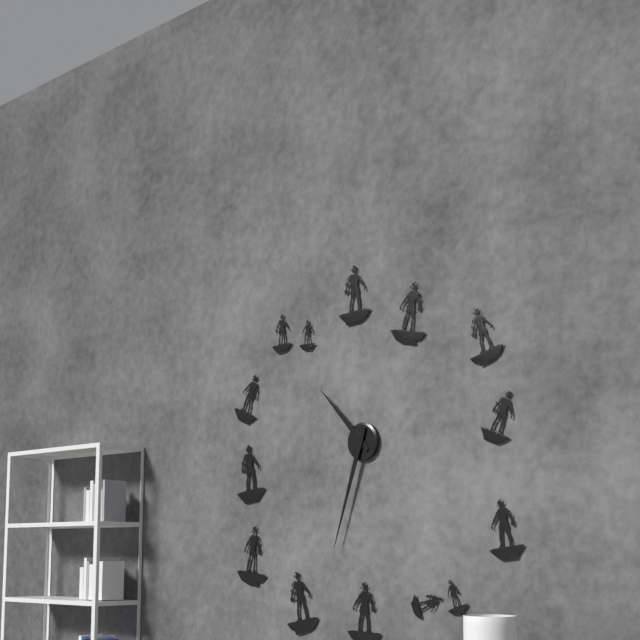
10:33
